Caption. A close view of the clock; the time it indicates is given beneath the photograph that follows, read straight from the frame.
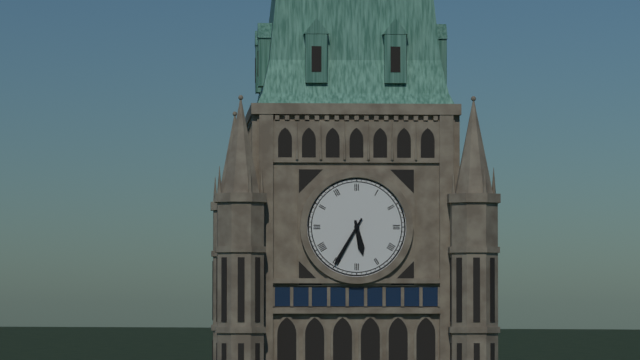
5:35
